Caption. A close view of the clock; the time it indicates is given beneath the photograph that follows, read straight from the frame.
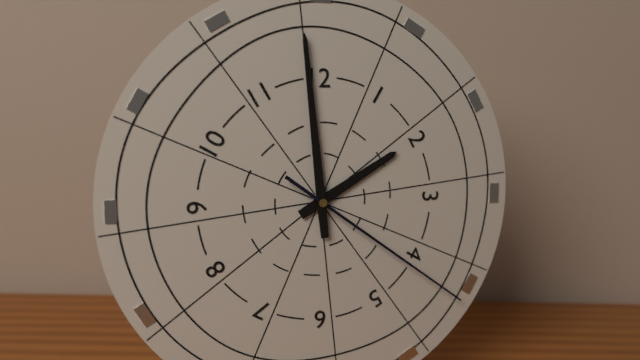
1:59:21
